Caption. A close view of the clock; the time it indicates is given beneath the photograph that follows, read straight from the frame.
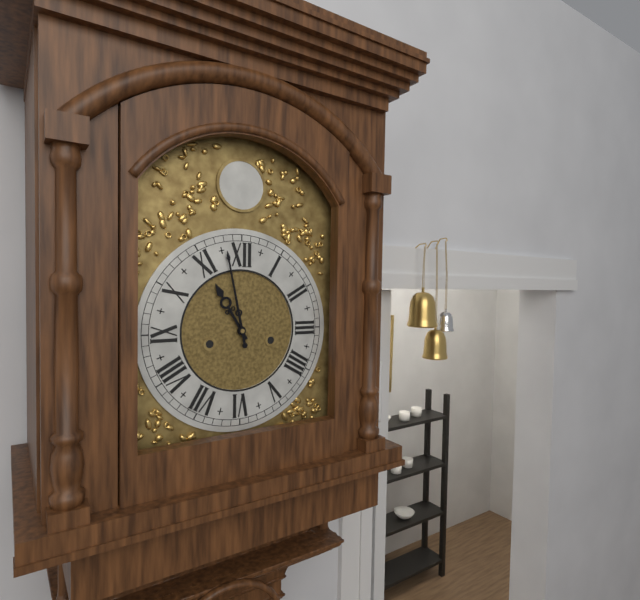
10:58
